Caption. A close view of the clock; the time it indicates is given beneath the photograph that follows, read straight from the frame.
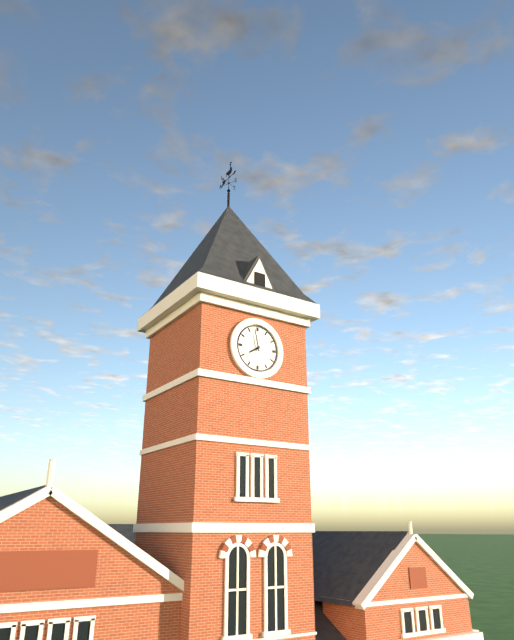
7:58
